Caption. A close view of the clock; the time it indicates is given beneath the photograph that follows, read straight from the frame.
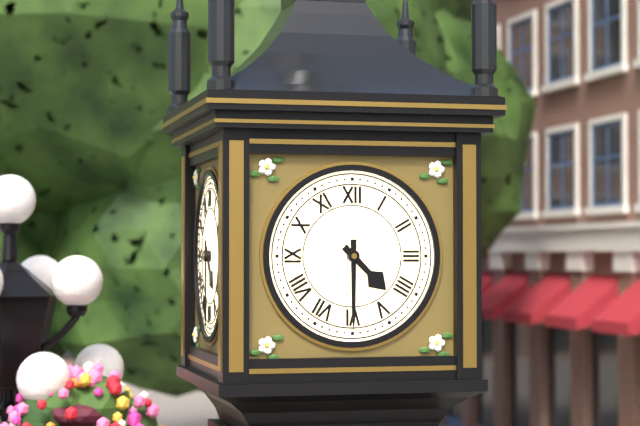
4:30
